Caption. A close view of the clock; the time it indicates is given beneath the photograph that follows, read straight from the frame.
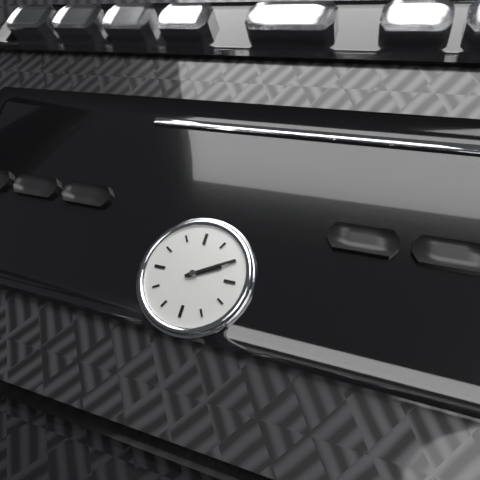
2:10
